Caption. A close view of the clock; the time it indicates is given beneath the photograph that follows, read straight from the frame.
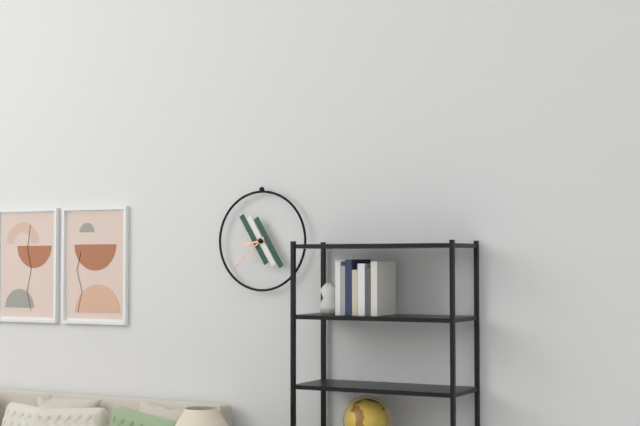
8:38
